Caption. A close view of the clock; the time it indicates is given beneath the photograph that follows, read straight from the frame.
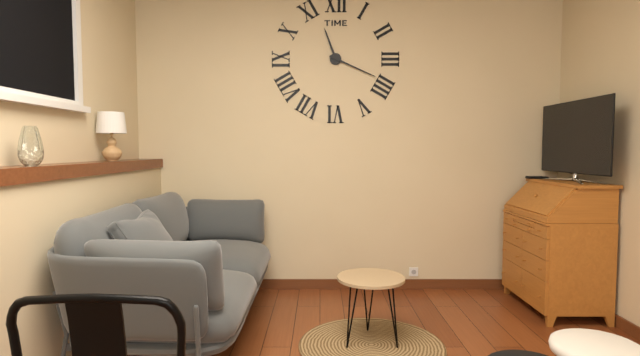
11:19
